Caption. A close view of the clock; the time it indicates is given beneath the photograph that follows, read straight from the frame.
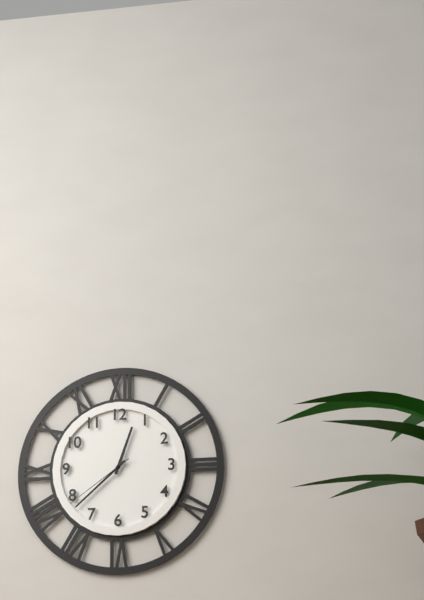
12:38:39
